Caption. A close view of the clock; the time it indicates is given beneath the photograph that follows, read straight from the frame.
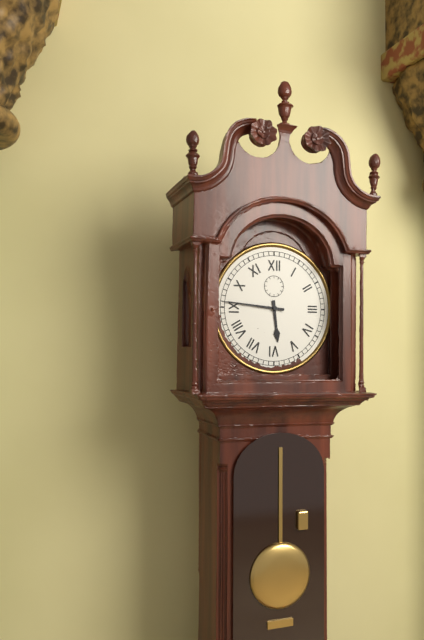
5:46
